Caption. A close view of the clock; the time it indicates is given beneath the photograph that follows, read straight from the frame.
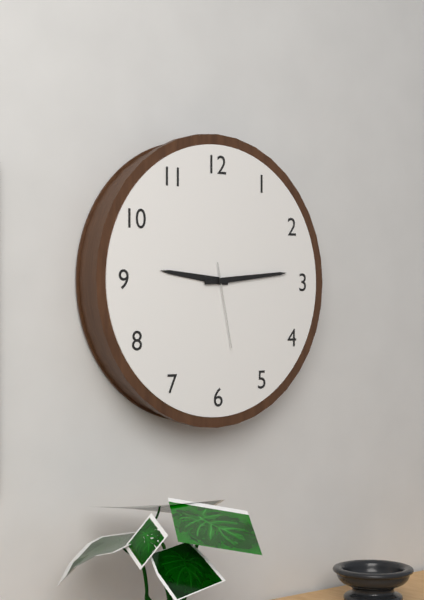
9:14:28
